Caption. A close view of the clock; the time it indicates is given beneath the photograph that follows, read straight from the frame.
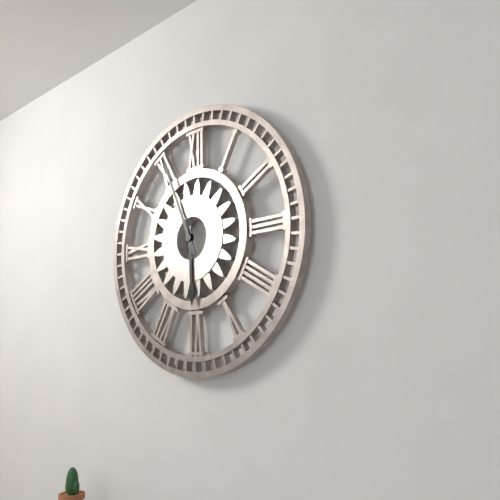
5:56
